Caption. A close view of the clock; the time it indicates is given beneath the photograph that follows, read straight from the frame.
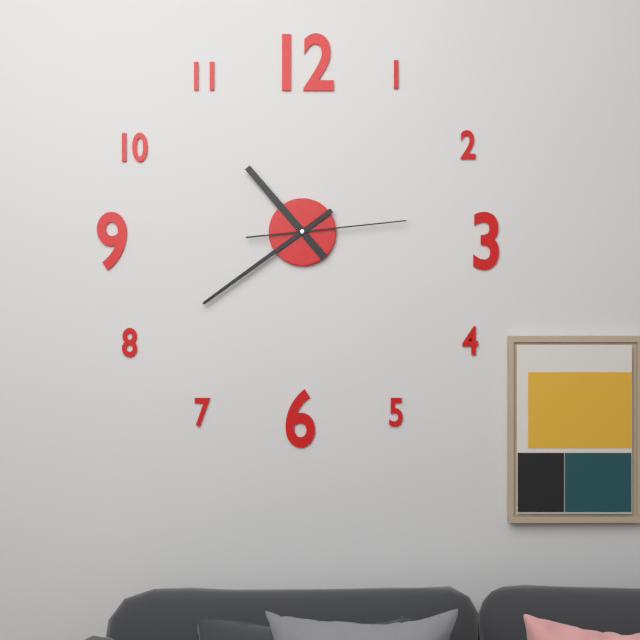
10:39:14
